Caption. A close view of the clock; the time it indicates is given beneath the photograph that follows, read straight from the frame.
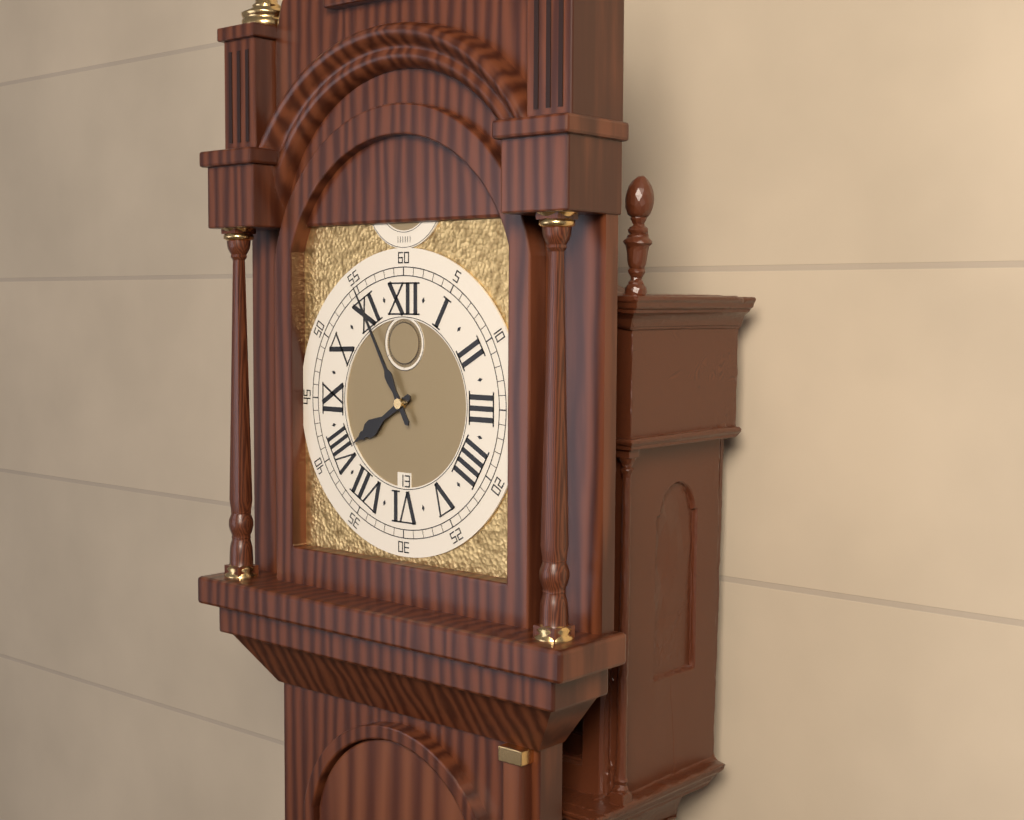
7:55
